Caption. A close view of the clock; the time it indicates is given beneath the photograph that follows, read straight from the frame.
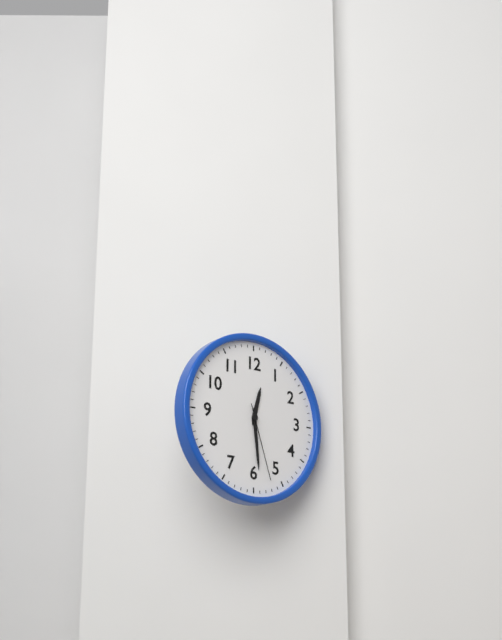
12:29:27
